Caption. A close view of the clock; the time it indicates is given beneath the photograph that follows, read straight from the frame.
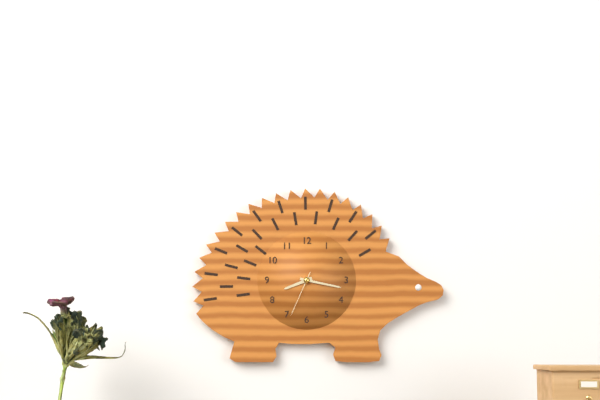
8:17
